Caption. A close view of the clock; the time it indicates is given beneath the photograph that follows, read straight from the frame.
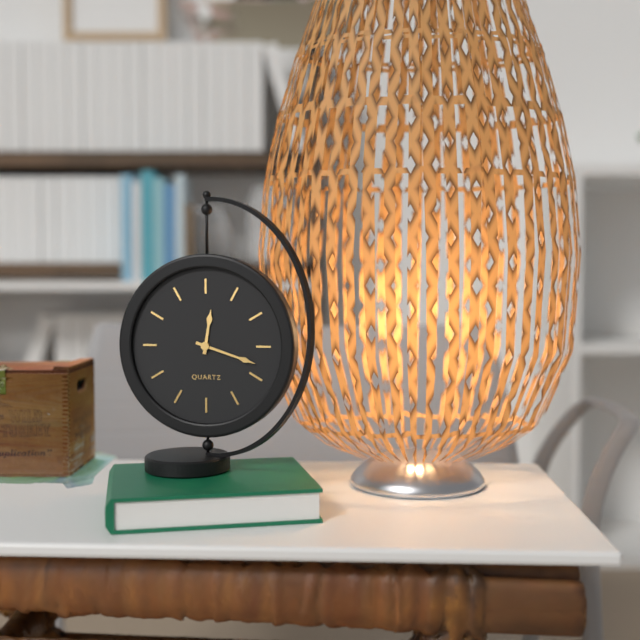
12:18
